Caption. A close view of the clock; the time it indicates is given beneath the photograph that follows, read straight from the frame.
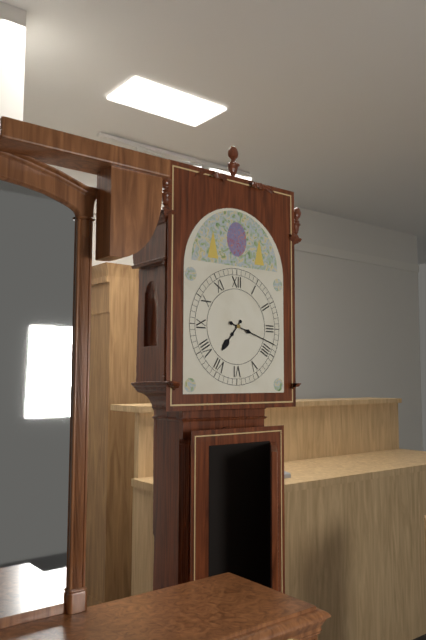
7:18
